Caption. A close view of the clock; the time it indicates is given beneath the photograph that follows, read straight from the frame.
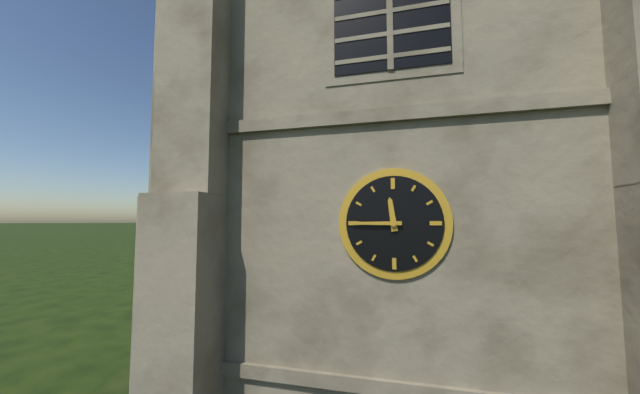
11:45
